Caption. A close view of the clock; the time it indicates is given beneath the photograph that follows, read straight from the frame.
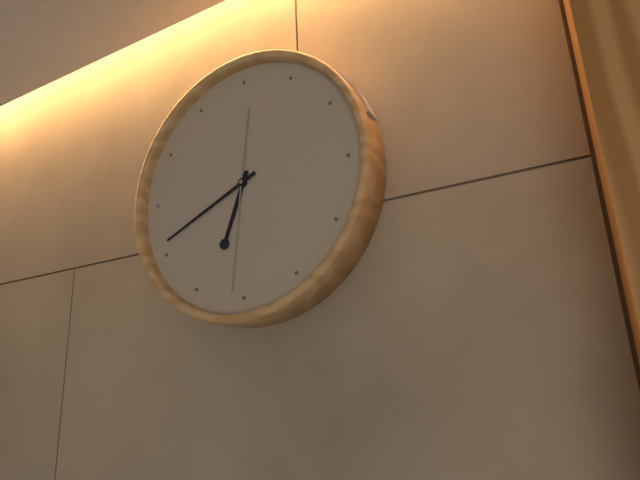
6:41:31
